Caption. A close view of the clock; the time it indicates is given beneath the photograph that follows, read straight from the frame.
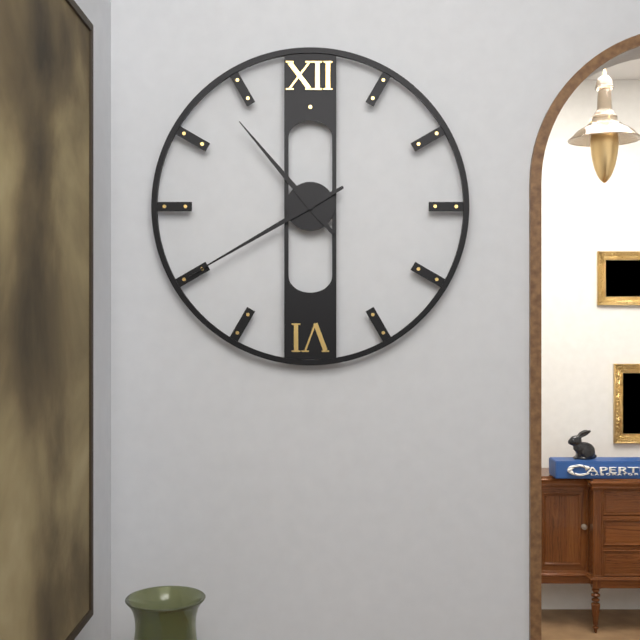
10:40
